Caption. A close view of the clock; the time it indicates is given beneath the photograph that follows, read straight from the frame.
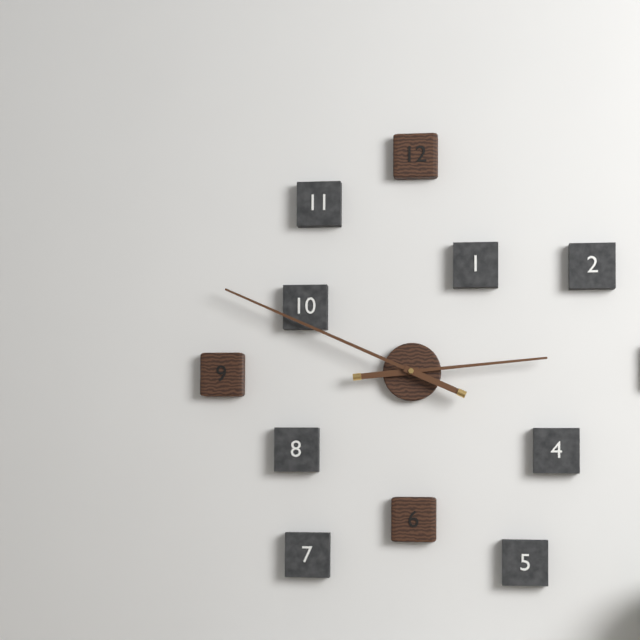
2:49
